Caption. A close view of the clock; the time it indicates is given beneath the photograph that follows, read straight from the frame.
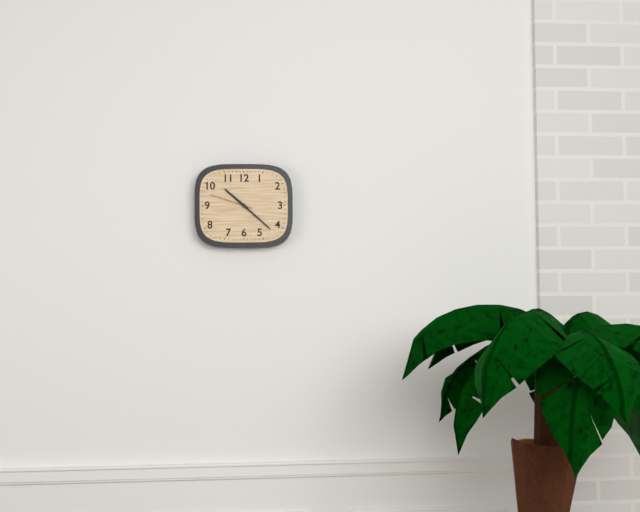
10:22
